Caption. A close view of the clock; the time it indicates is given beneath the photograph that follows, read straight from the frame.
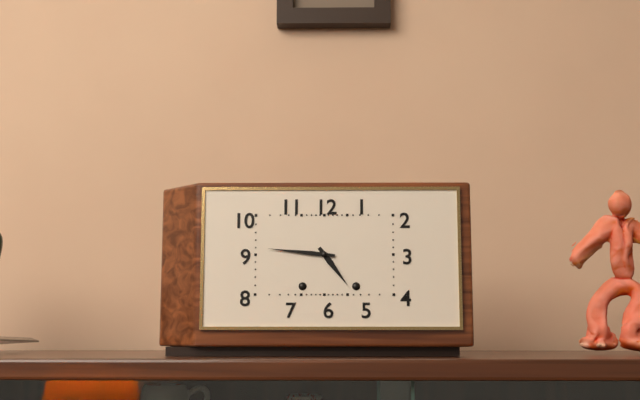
4:46
